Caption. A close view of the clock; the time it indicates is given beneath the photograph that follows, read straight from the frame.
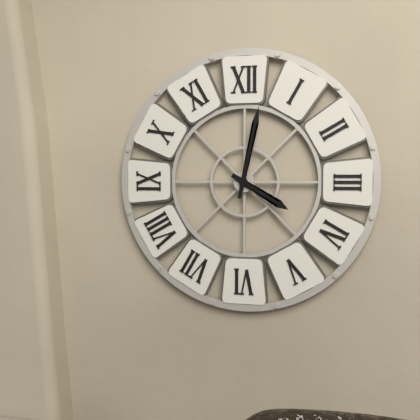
4:02
